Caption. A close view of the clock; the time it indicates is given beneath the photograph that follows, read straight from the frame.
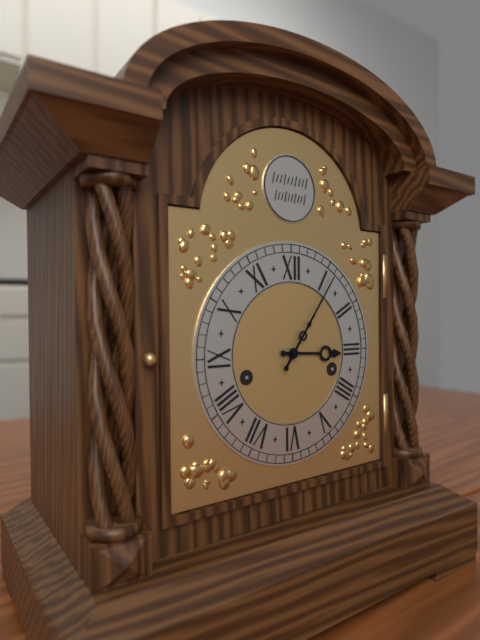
3:06
